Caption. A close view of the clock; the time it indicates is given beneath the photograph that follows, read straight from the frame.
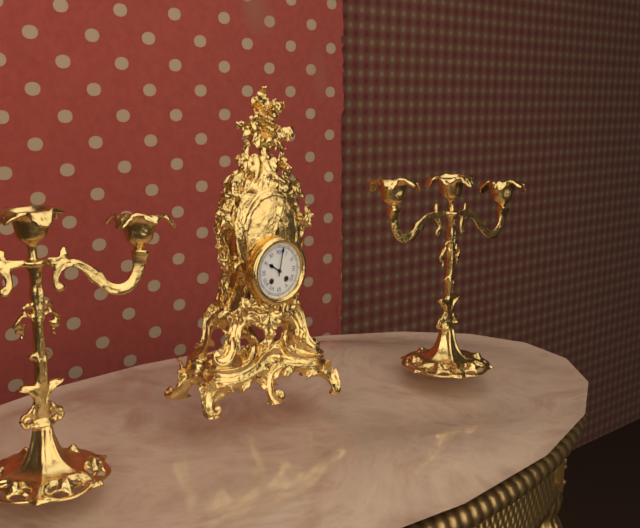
10:02
